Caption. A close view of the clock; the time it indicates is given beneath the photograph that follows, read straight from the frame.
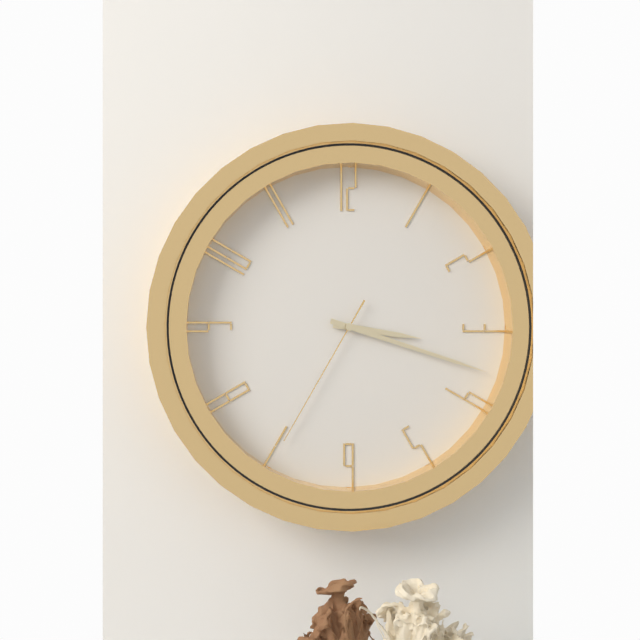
3:18:35
